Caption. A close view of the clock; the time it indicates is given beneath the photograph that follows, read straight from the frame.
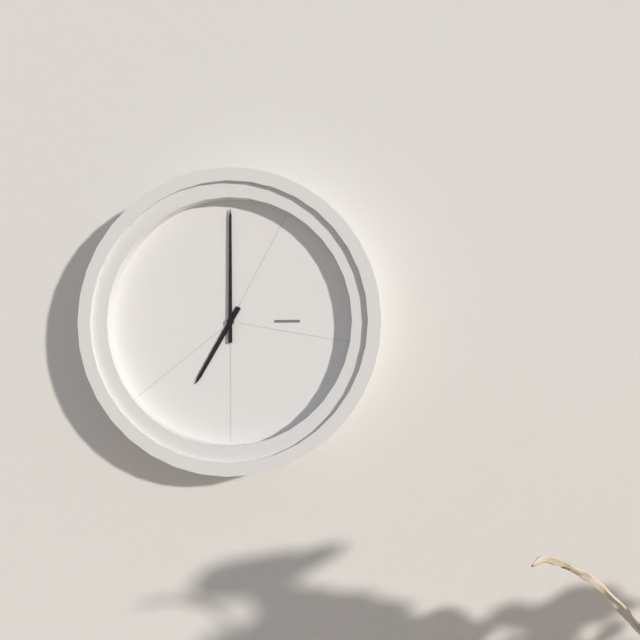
7:00
